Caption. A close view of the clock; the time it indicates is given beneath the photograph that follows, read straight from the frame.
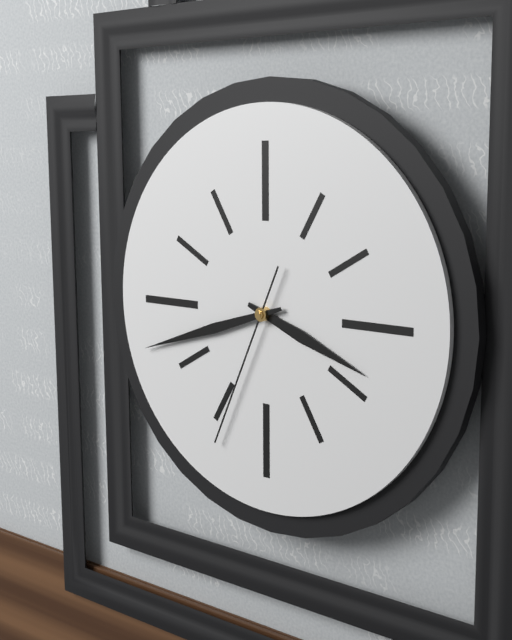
3:42:34
